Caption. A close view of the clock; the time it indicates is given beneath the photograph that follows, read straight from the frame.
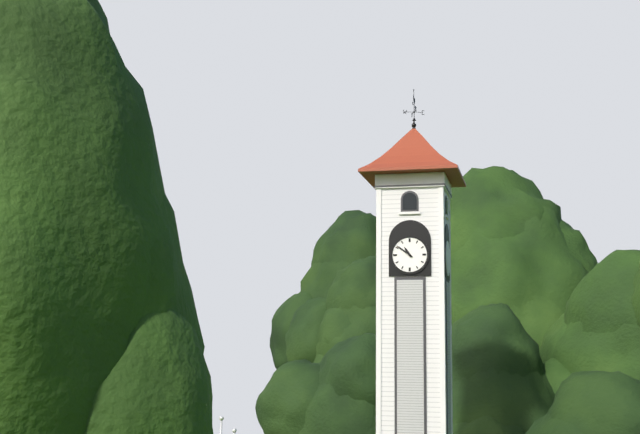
10:51
